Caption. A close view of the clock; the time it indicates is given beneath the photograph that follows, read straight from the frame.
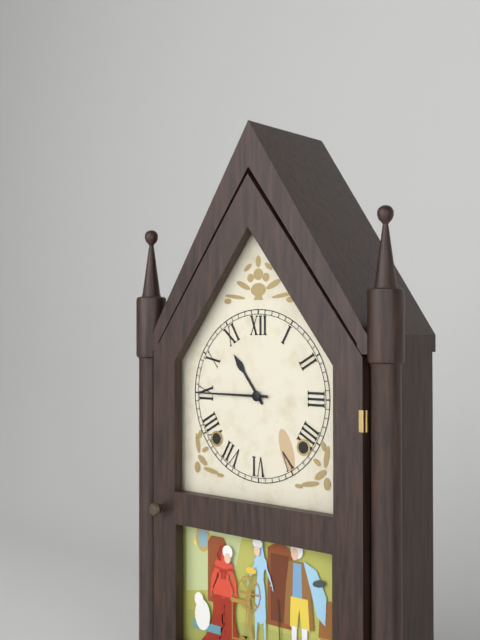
10:45
